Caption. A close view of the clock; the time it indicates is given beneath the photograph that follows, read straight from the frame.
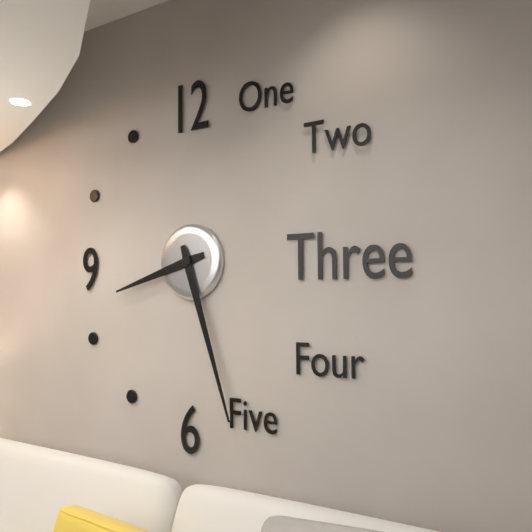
8:27
